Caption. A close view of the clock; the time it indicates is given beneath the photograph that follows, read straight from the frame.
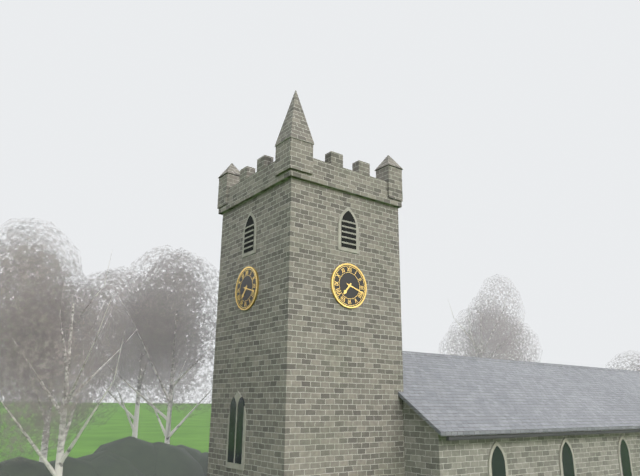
7:18
